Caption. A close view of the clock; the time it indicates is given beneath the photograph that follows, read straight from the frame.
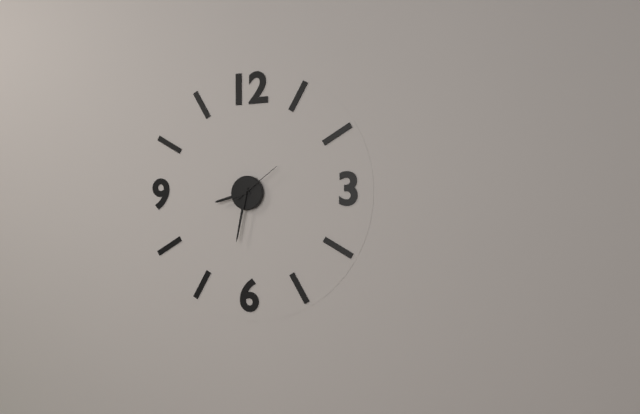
8:32:09
